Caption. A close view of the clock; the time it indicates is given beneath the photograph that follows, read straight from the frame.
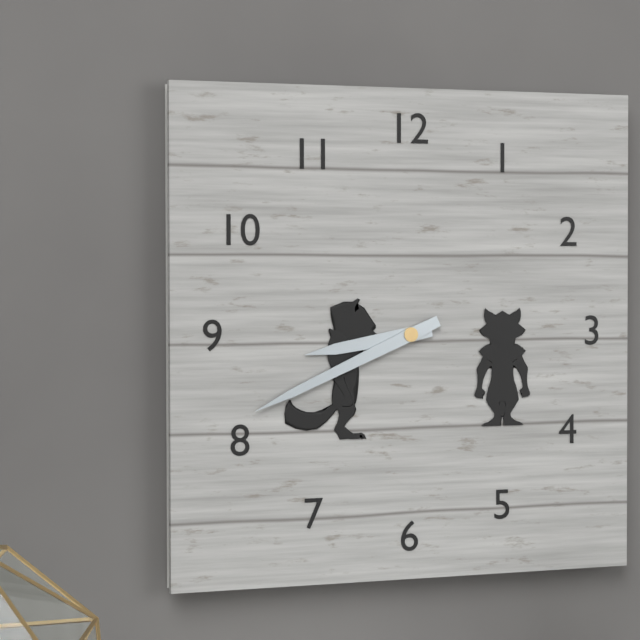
8:41
